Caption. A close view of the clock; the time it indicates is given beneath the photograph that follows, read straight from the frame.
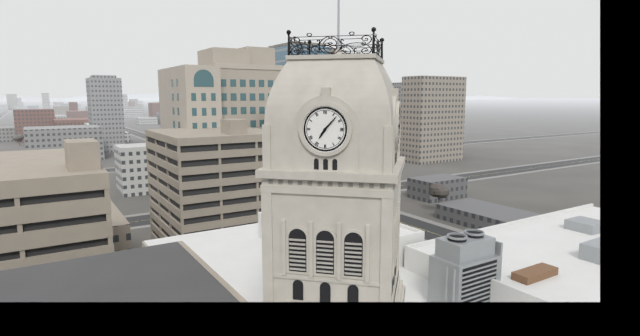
7:07
